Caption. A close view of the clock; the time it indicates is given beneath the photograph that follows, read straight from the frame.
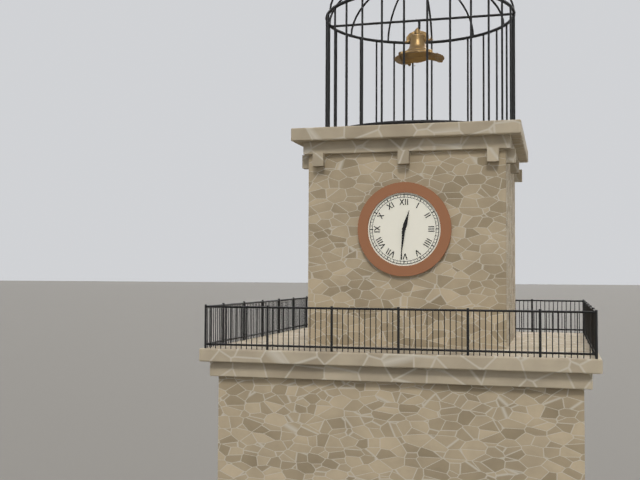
12:31
